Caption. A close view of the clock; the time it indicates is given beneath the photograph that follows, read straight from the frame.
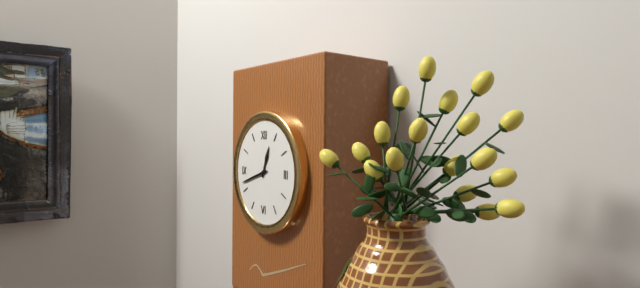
12:42
